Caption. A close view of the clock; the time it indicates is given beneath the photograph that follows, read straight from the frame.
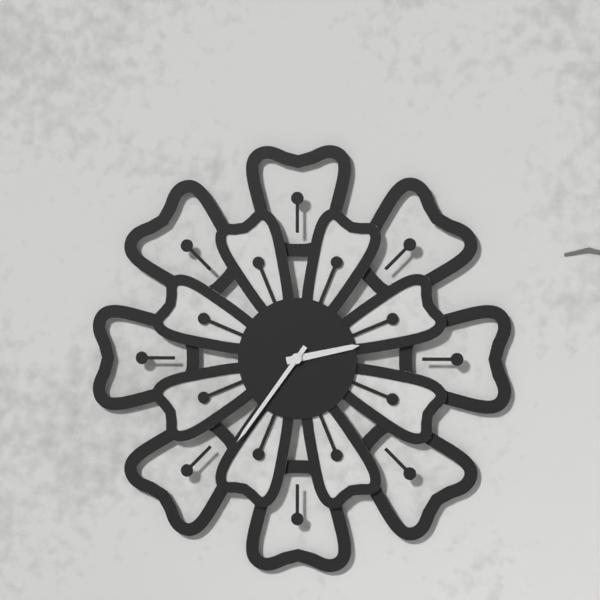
2:36
